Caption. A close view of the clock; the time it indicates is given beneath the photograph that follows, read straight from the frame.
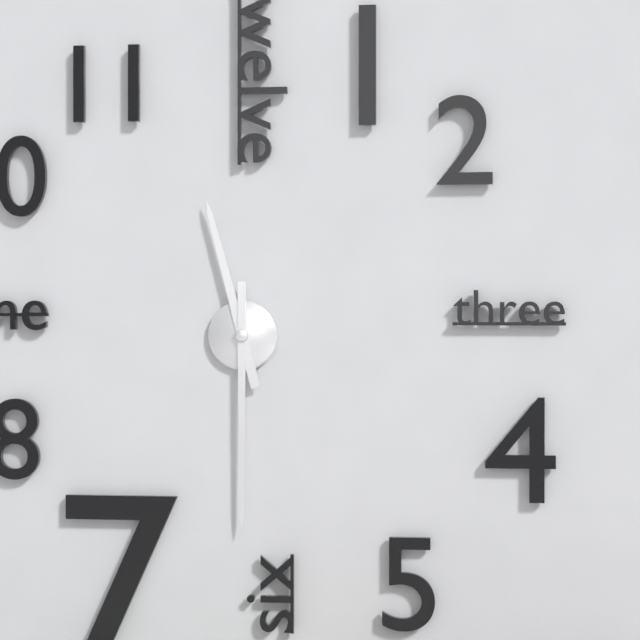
11:30
